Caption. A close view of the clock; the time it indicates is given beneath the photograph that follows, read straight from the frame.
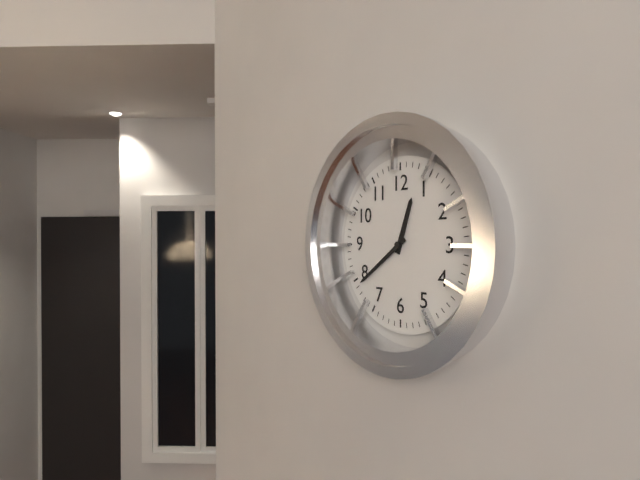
12:39
